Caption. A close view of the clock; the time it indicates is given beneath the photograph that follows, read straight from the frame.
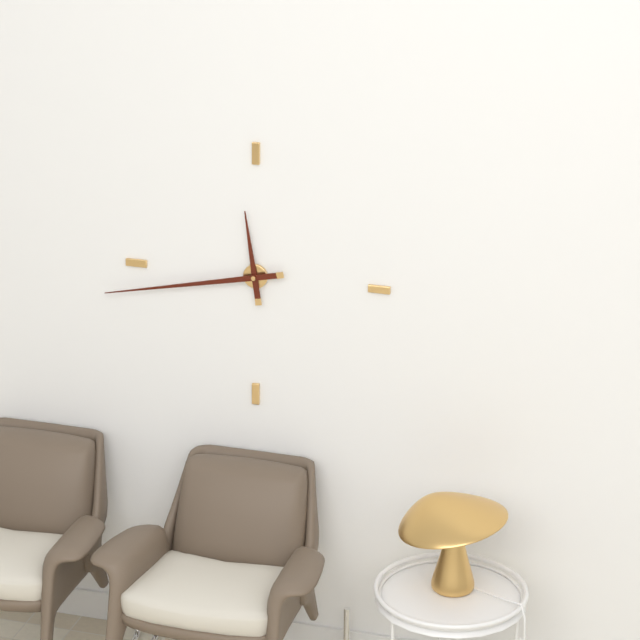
11:43
